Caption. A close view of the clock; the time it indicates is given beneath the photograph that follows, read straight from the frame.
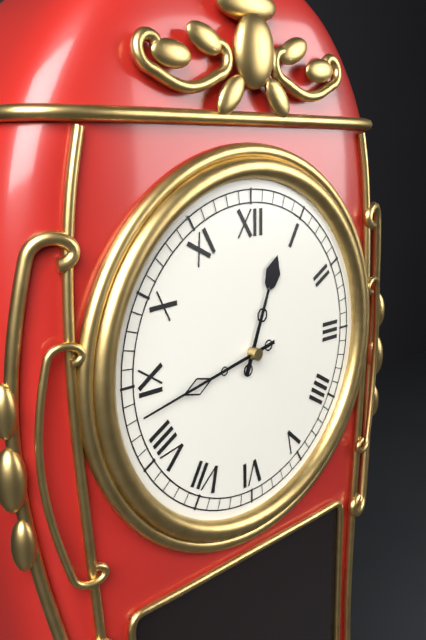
12:43
